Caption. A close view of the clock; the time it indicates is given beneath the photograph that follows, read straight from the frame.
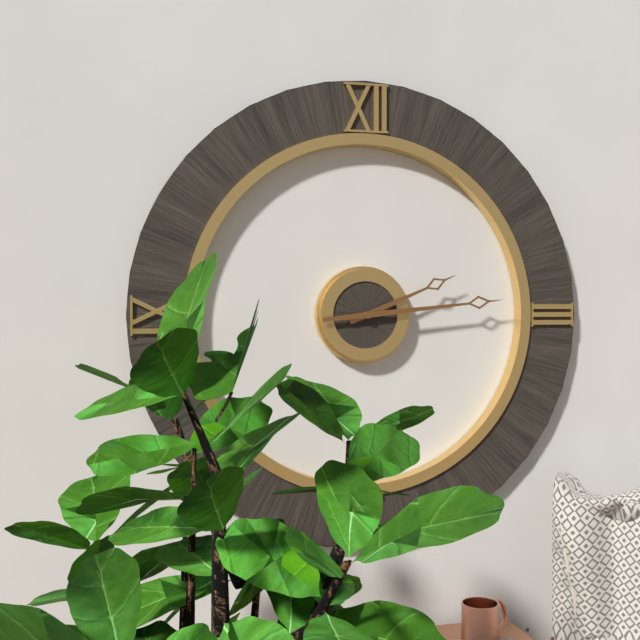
2:14
